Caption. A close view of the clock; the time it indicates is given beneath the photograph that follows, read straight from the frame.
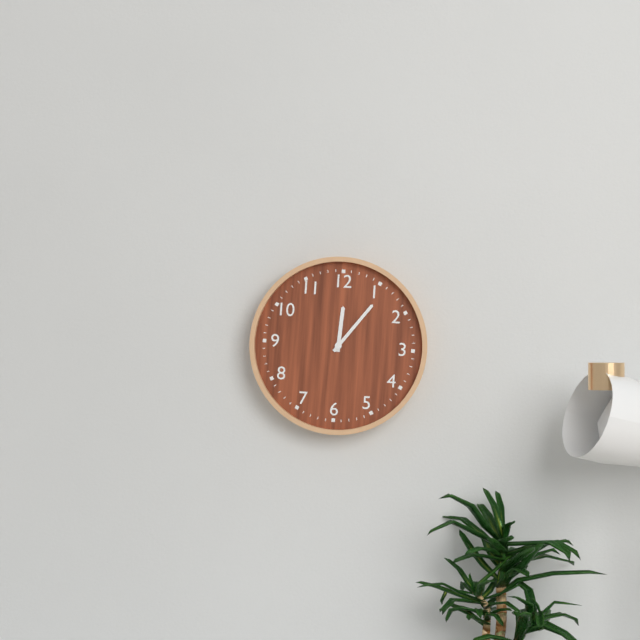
12:06
